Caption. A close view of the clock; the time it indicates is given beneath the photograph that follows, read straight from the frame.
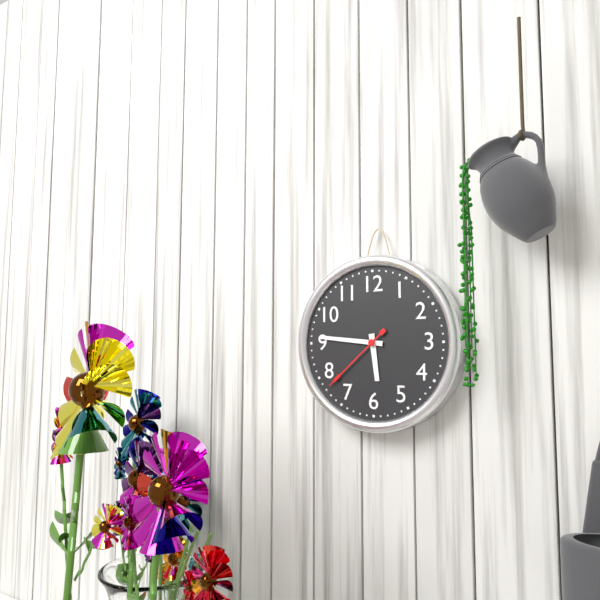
5:46:38
